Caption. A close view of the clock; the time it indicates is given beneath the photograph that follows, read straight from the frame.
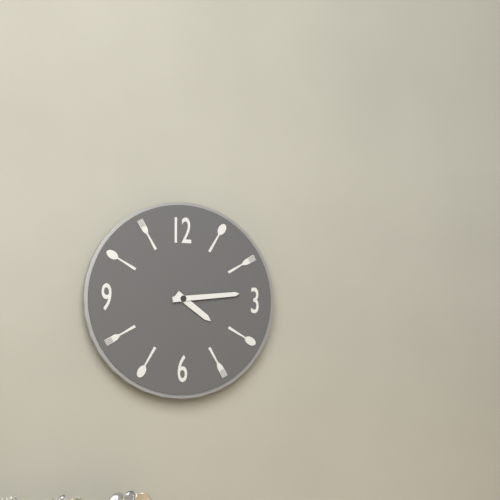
4:14
